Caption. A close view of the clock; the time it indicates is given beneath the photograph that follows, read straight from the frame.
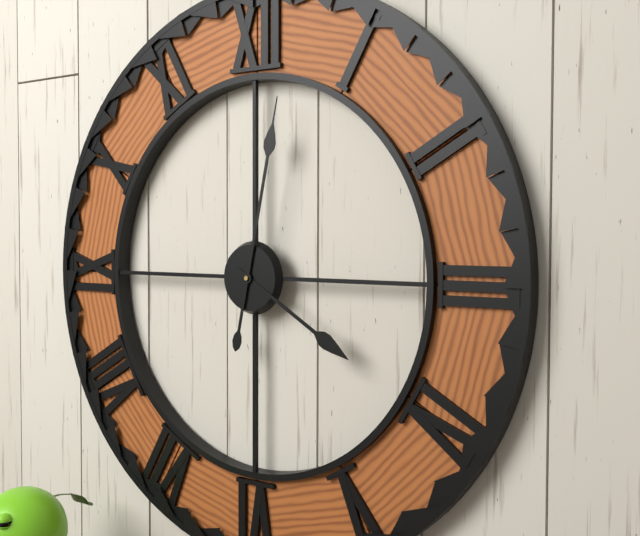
4:02
